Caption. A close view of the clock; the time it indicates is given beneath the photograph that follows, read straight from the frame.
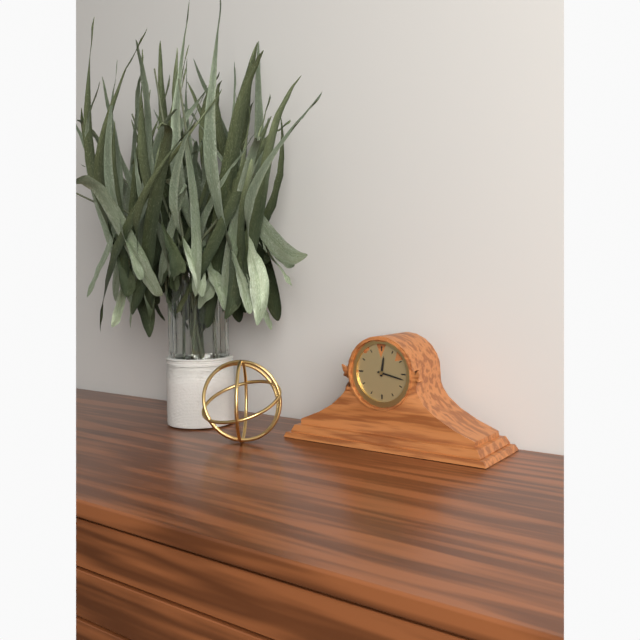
12:17
